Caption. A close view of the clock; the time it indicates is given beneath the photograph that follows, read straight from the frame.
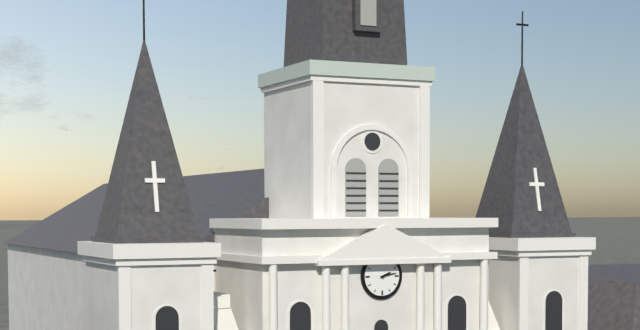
2:13
